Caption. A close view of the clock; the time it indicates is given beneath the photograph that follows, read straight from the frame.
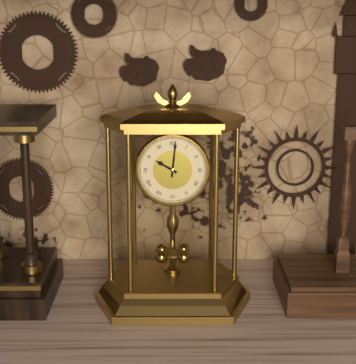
10:01
